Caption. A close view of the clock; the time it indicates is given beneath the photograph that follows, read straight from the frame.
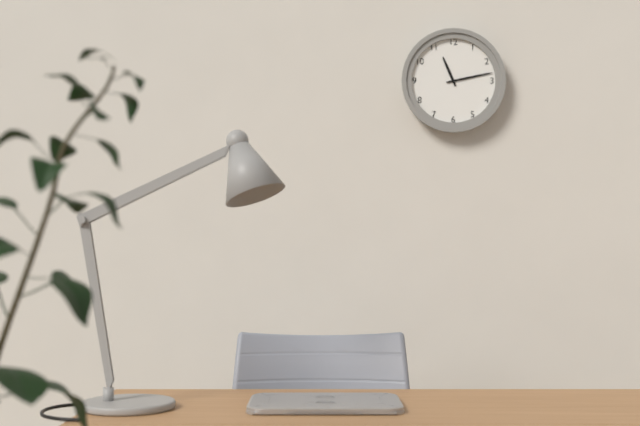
11:13
